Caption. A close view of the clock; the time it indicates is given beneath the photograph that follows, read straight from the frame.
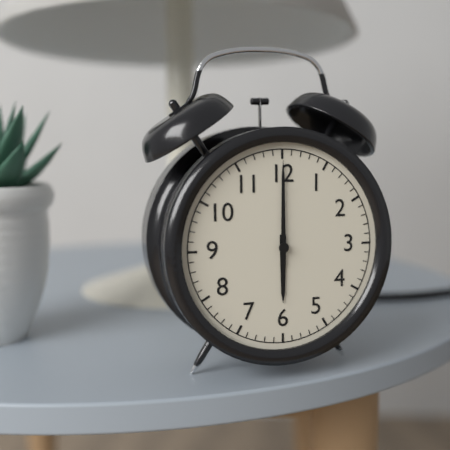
6:00
